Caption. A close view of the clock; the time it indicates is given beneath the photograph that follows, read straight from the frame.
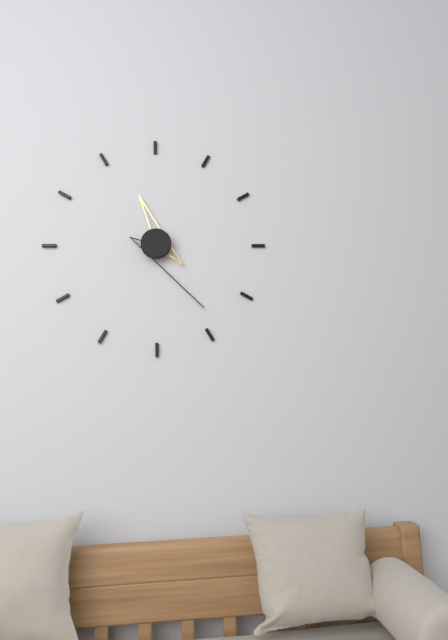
11:24
